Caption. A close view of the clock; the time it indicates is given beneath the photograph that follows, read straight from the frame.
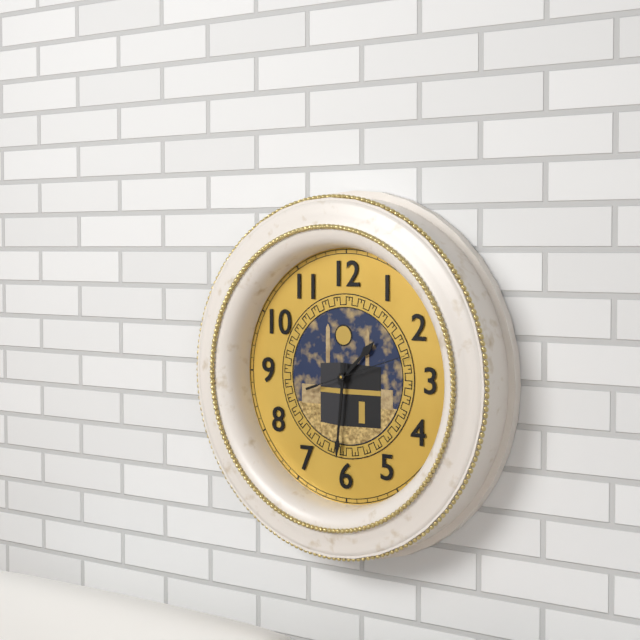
1:31:12
